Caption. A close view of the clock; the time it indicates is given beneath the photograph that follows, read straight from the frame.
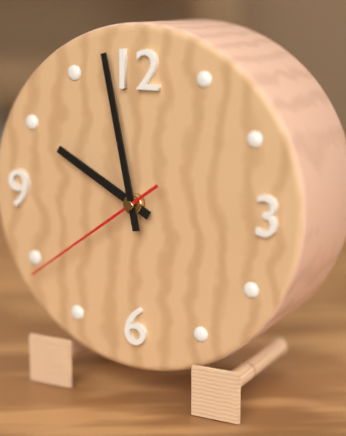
9:58:39
